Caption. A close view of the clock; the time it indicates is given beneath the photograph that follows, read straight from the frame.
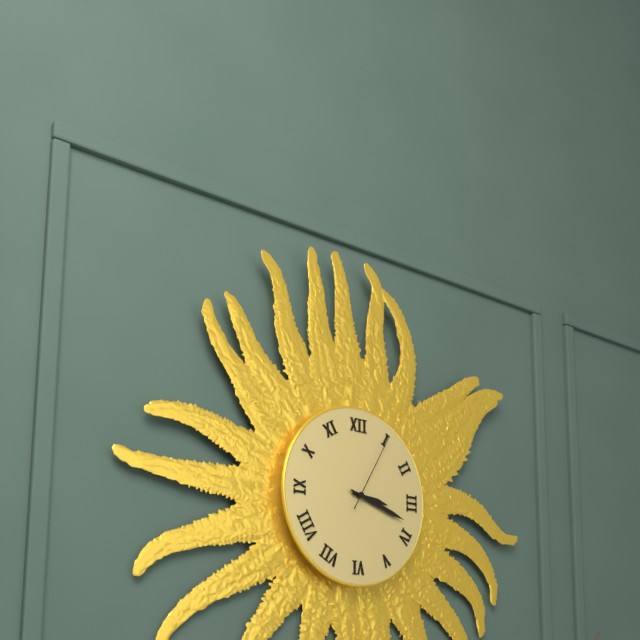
3:18:05
